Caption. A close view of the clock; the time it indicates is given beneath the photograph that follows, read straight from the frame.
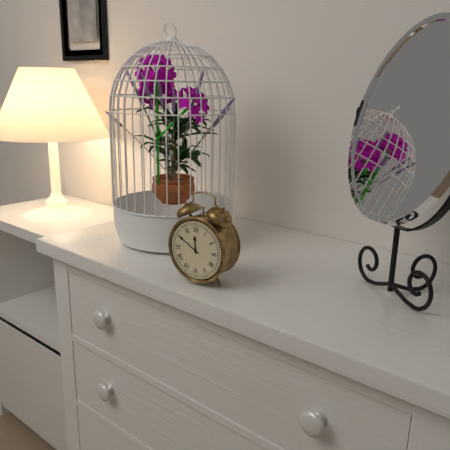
11:50
